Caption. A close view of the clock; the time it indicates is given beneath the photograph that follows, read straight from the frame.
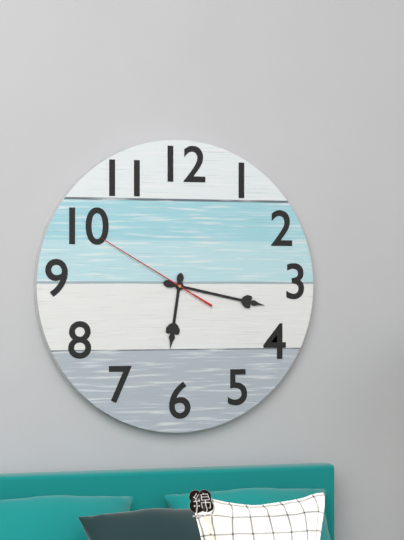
6:17:50
